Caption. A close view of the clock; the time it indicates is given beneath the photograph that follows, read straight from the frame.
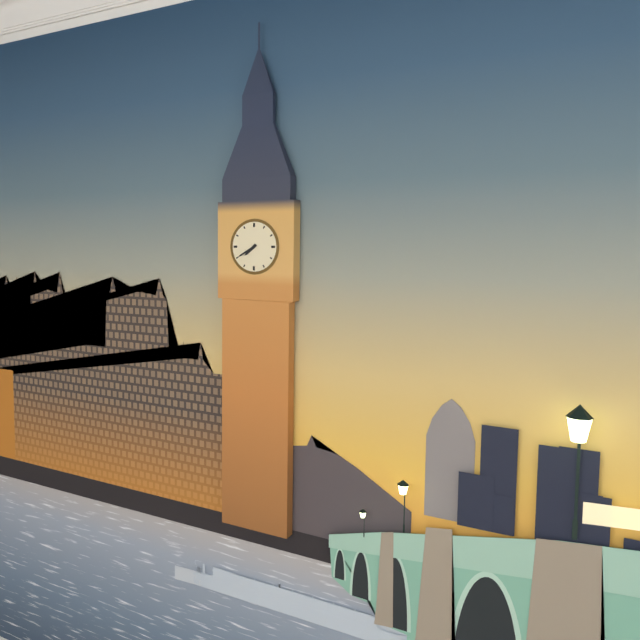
7:40
